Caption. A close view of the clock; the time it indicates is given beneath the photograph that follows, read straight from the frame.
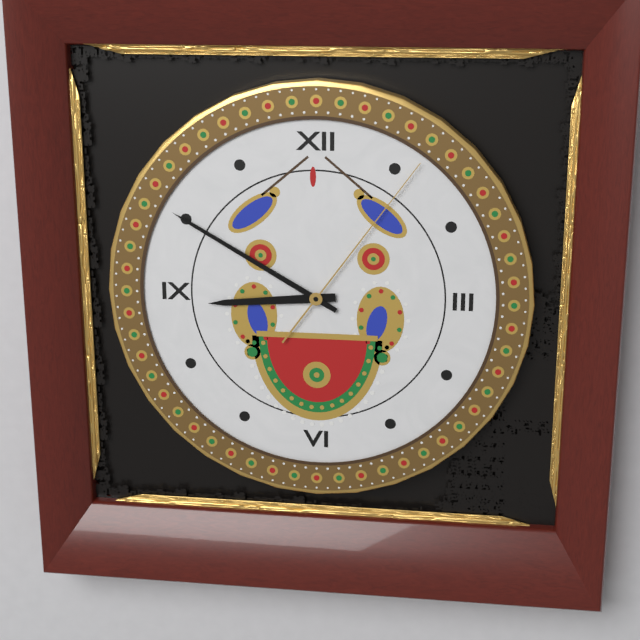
8:50:06
